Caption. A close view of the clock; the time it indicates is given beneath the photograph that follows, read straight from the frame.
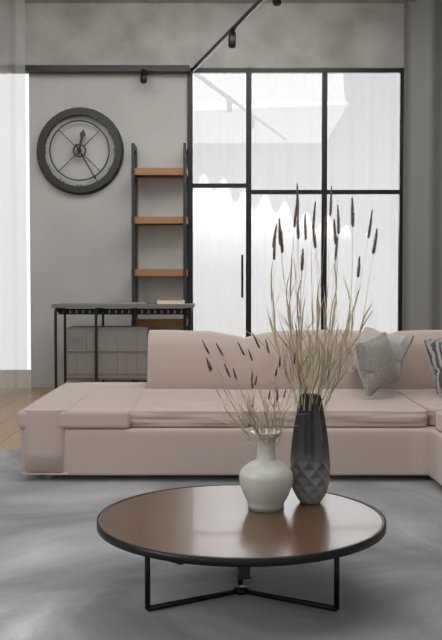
12:25
